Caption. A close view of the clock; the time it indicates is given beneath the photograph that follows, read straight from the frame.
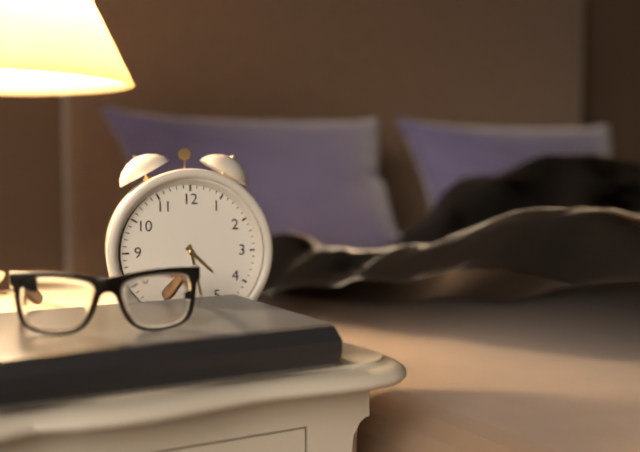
4:28
